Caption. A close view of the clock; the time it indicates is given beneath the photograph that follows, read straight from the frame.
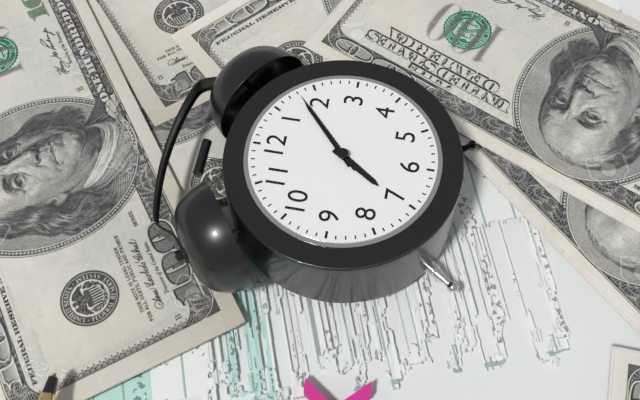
7:08:08
